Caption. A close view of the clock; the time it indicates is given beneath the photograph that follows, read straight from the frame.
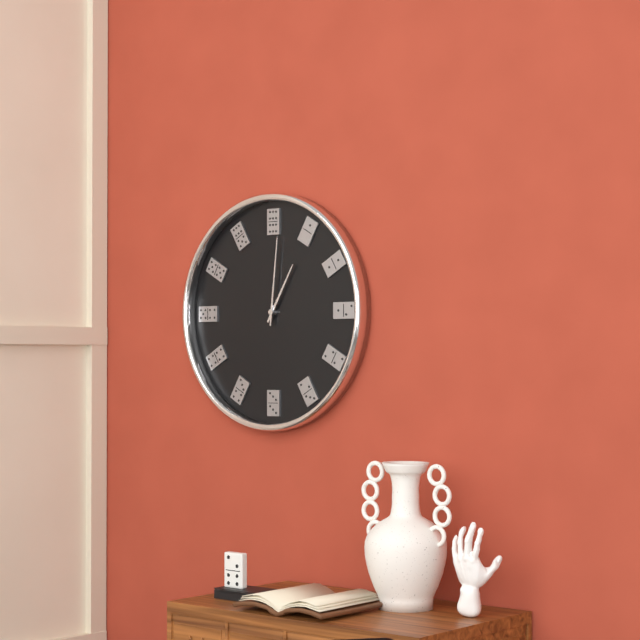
1:01
